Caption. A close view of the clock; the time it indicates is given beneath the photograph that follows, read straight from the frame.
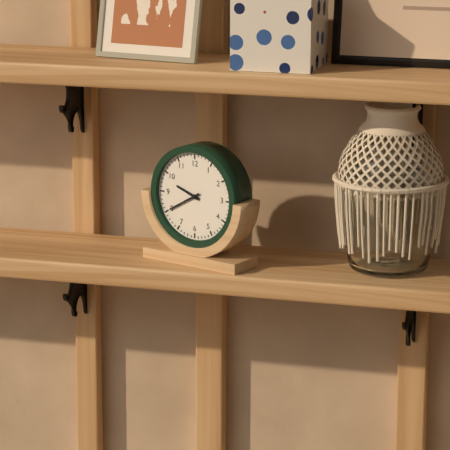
9:40
